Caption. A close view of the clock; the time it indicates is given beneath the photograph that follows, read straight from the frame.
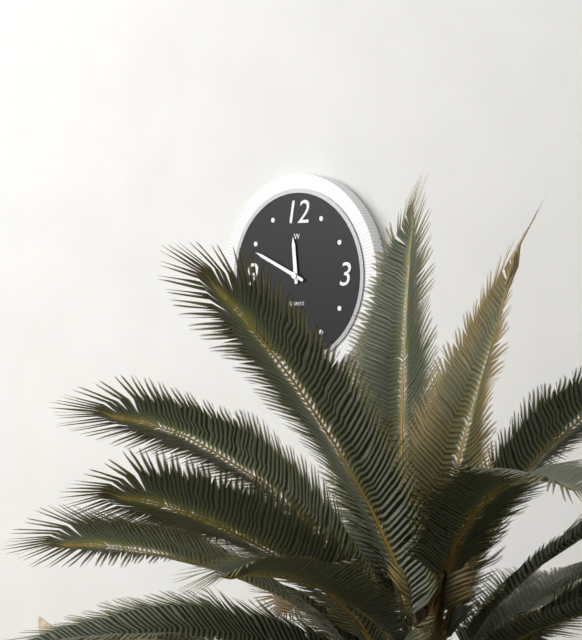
11:49
